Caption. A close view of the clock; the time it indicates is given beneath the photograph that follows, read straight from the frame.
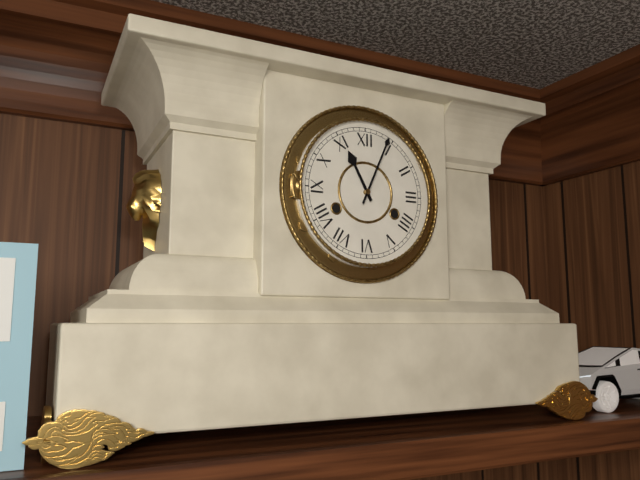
11:04
